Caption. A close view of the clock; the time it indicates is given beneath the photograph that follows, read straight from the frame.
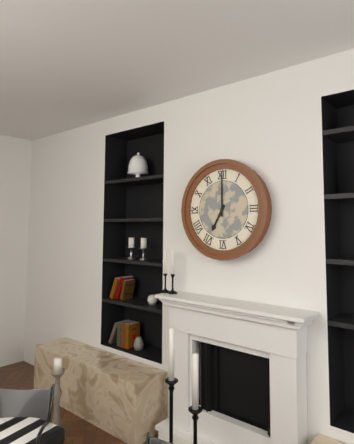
7:00
